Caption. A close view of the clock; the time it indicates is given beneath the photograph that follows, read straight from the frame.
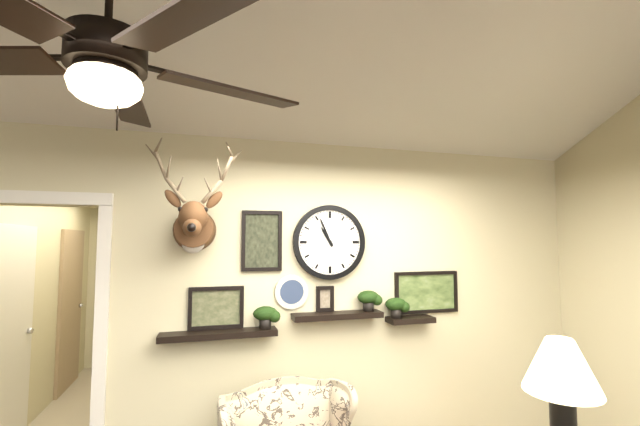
10:56
